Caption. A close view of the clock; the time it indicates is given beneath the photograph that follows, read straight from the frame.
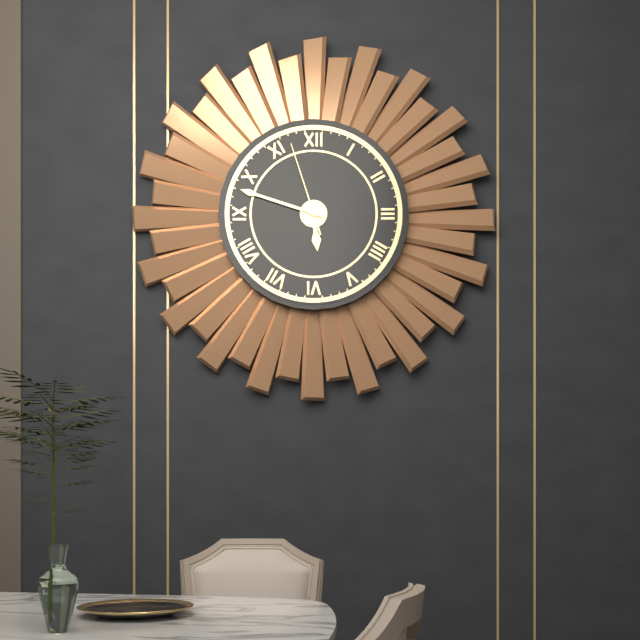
5:48:57
